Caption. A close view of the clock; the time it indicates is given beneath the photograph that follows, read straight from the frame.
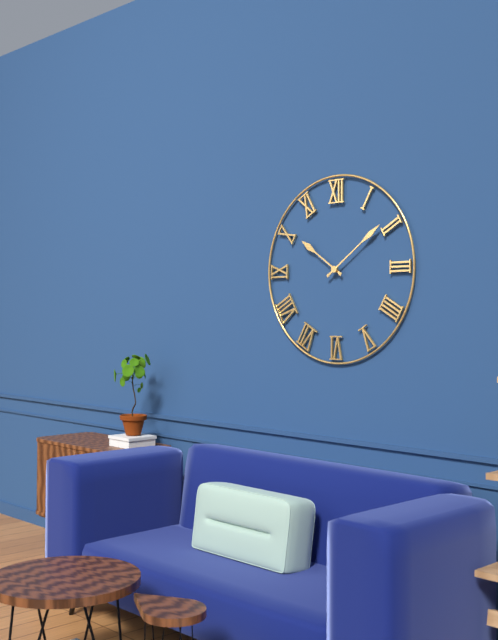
10:09
